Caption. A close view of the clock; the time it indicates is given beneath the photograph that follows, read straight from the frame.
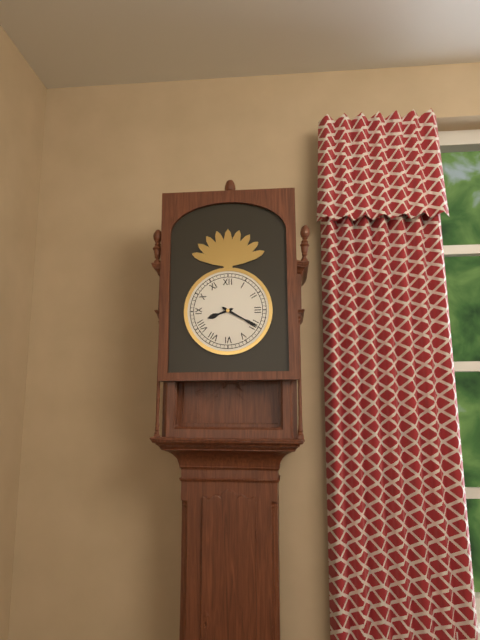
8:20
